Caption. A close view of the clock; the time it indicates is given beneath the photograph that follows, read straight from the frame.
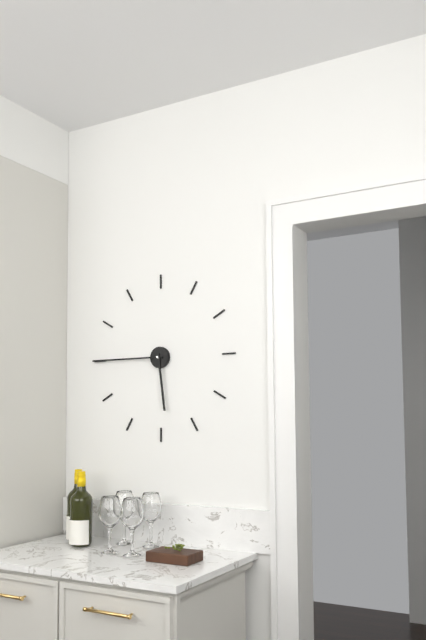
5:45
